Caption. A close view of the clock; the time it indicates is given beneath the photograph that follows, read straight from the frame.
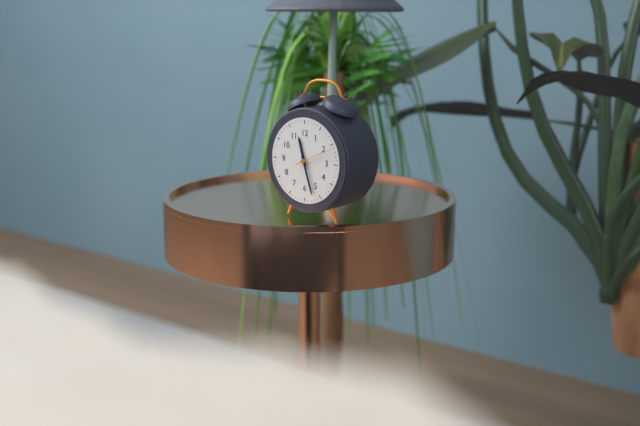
11:27
